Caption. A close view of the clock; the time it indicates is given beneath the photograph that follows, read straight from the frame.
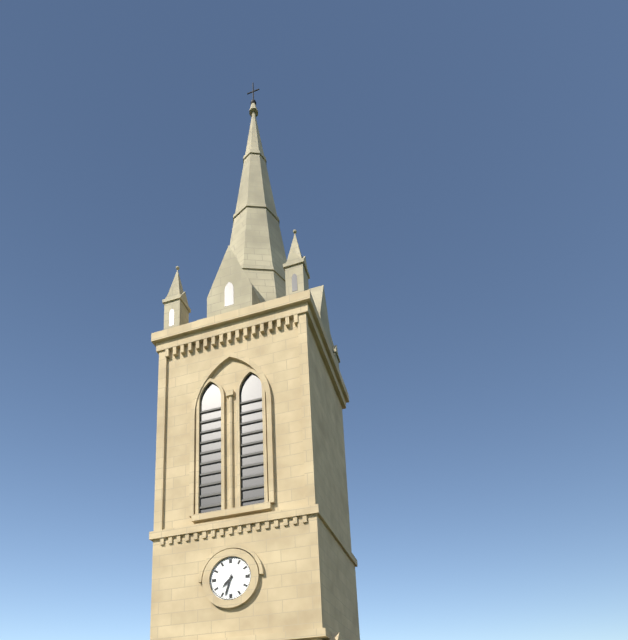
7:33
